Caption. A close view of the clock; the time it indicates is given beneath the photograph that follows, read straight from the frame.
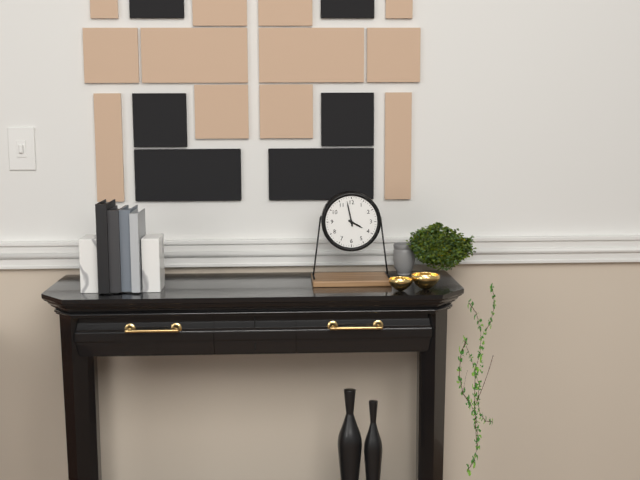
3:58
